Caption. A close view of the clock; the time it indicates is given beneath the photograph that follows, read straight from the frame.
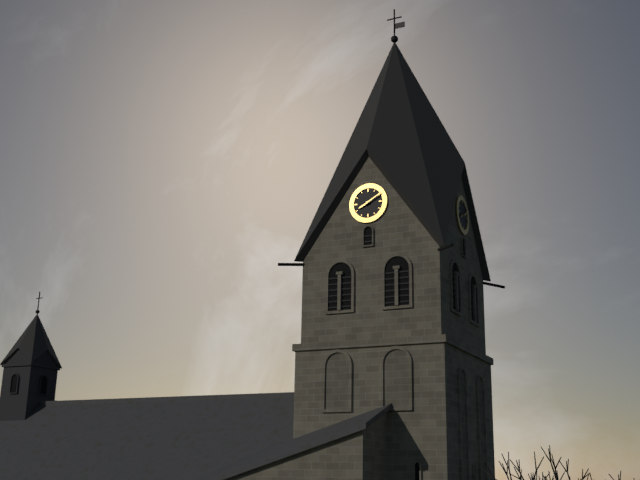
8:10
